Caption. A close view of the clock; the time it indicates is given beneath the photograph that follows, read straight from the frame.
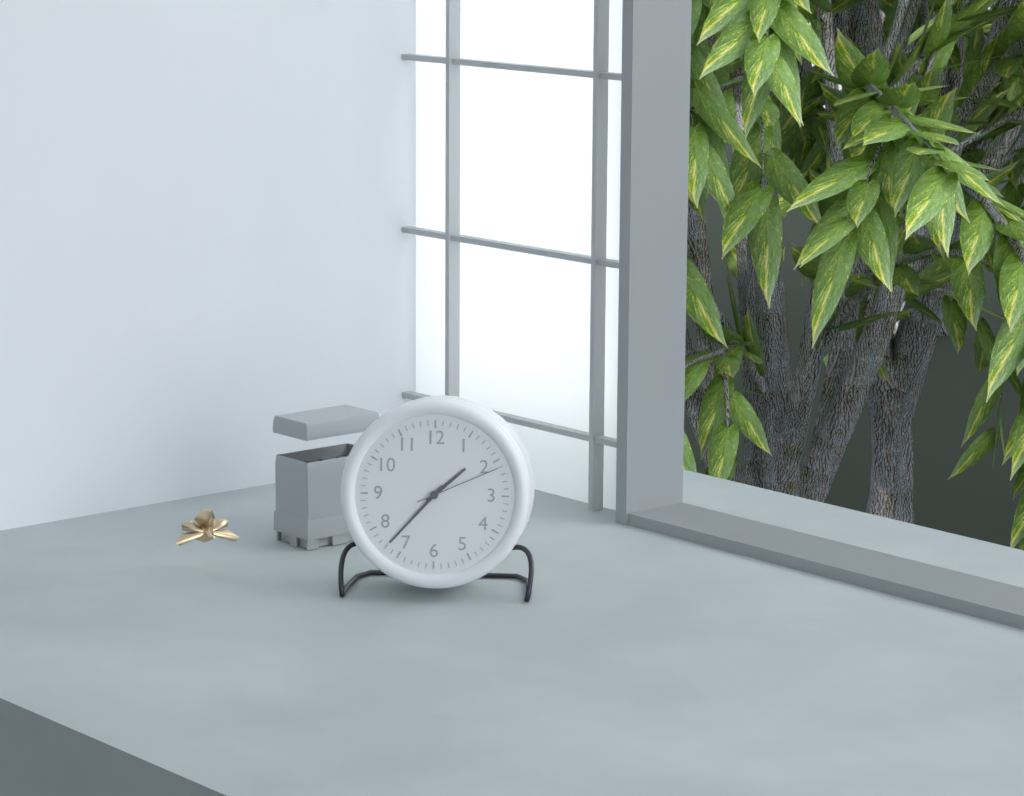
1:37:11
